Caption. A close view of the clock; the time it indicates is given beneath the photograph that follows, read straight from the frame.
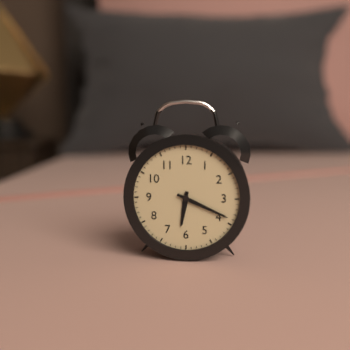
6:19
